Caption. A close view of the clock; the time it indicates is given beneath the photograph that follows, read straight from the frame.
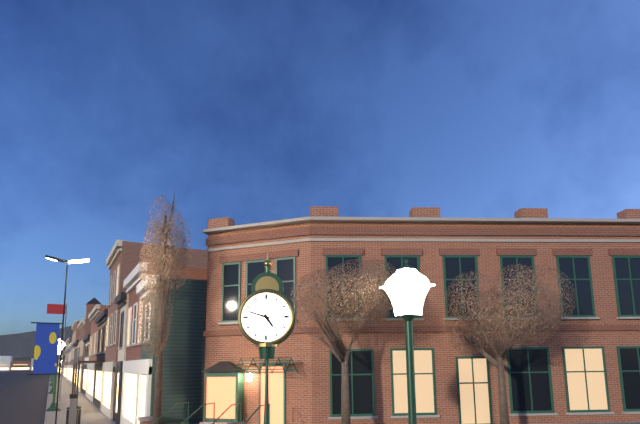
4:48
